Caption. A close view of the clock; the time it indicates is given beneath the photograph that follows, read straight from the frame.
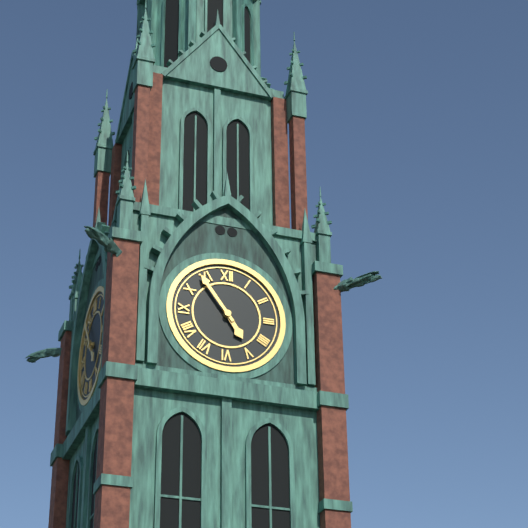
4:54
